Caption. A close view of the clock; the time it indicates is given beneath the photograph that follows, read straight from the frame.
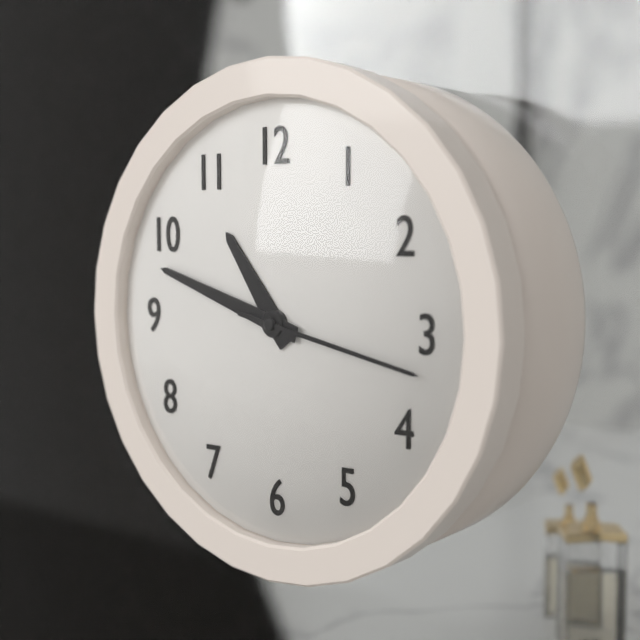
10:48:17
